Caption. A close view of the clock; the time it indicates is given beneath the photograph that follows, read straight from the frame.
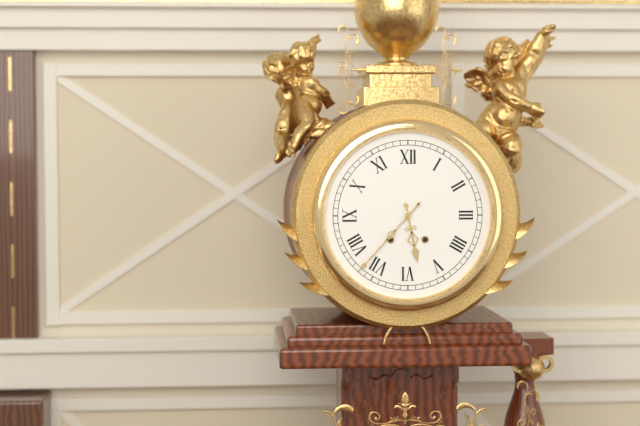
5:37
